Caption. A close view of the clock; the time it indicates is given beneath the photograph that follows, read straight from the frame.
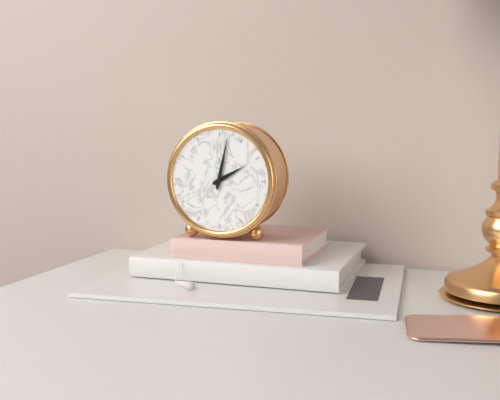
2:02
